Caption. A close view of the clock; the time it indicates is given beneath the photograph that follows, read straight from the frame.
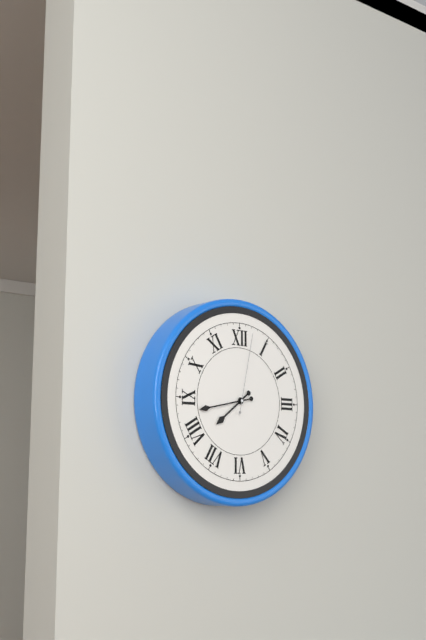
7:43:02
